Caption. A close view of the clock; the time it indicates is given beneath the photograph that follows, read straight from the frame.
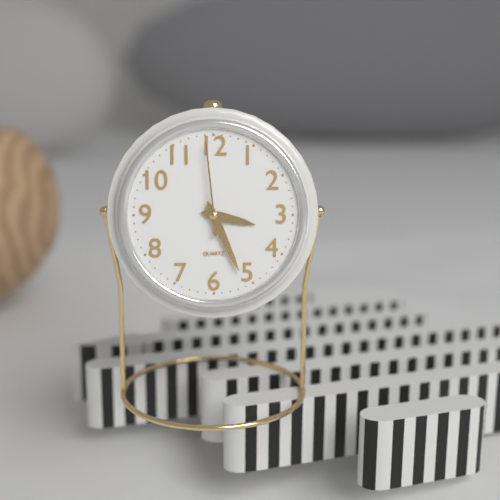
3:26:59
